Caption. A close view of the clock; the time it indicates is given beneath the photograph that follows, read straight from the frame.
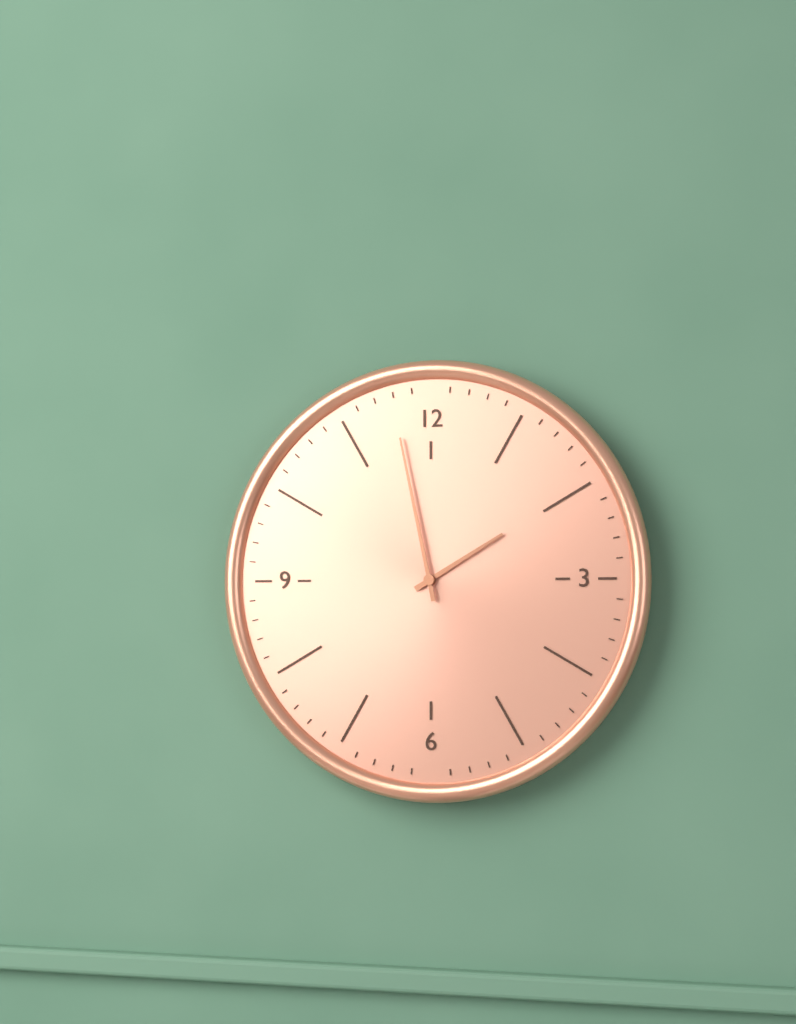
1:58
